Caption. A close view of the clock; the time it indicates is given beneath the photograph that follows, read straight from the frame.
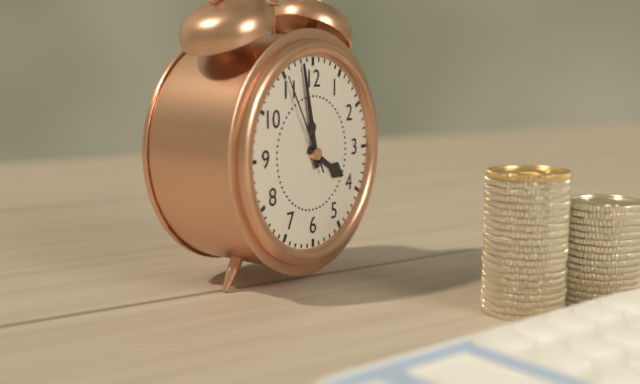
3:58:55
